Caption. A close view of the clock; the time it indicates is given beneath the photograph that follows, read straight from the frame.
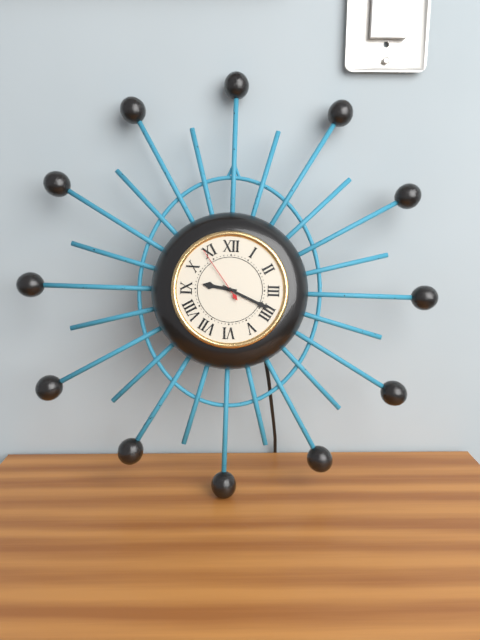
9:19:54
